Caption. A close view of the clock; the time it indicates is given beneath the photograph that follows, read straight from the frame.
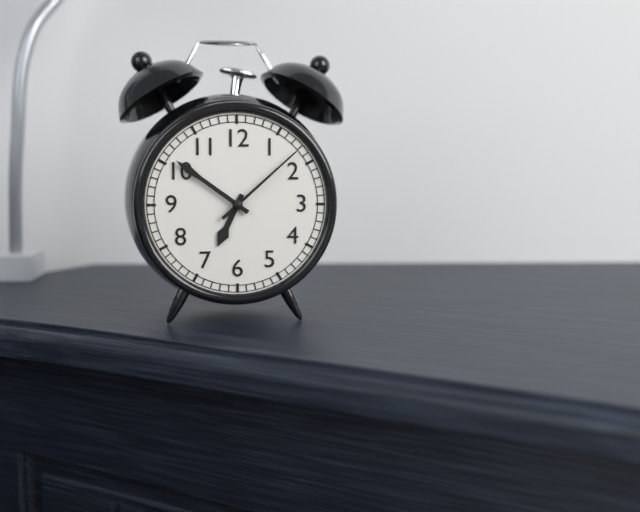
6:51:08
